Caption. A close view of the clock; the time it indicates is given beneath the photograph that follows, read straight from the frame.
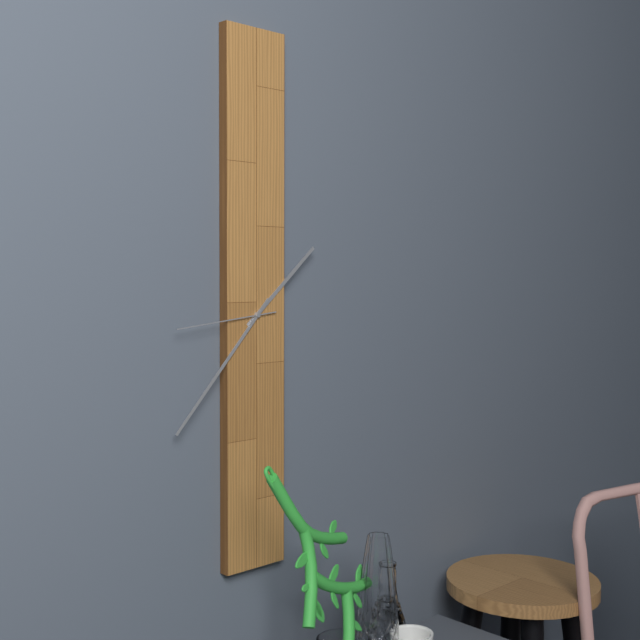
1:37:44
